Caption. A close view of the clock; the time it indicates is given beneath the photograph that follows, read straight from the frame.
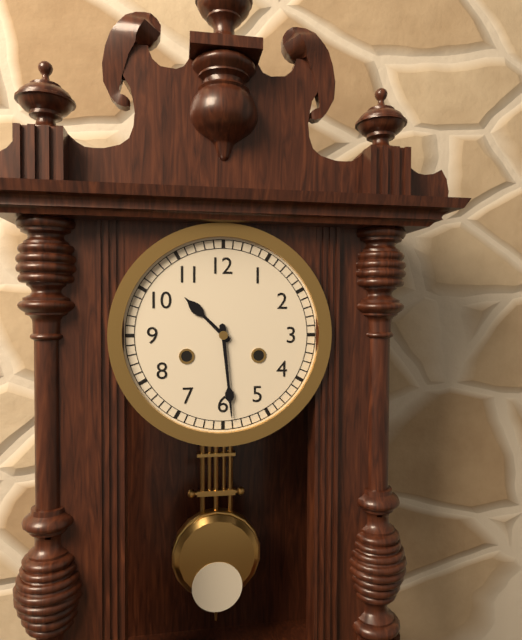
10:29
